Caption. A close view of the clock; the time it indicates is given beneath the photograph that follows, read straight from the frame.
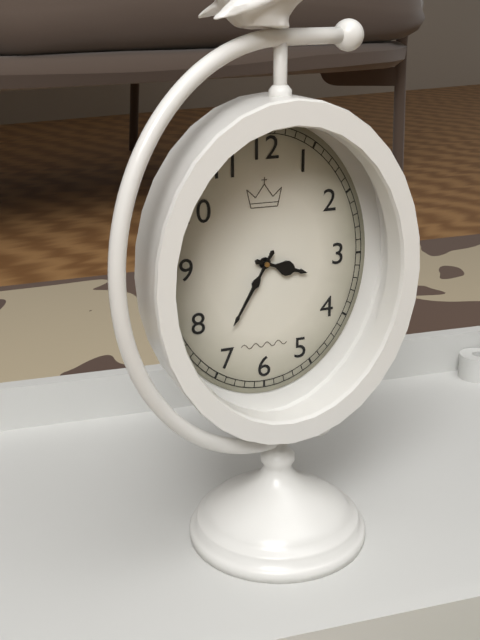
3:35
